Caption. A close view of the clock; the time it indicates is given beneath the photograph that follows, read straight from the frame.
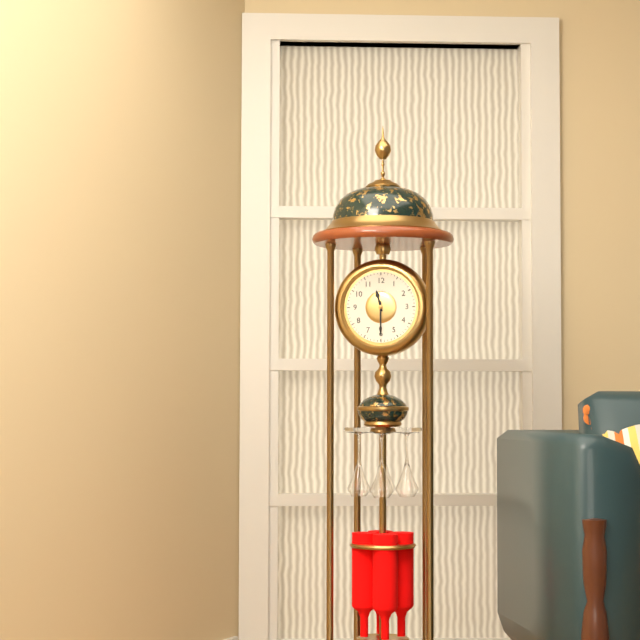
11:30
